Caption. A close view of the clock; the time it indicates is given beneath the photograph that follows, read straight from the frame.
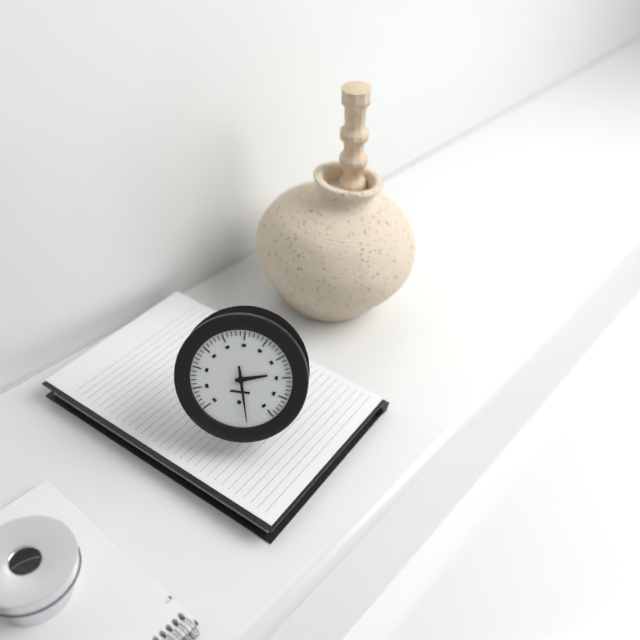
2:28
